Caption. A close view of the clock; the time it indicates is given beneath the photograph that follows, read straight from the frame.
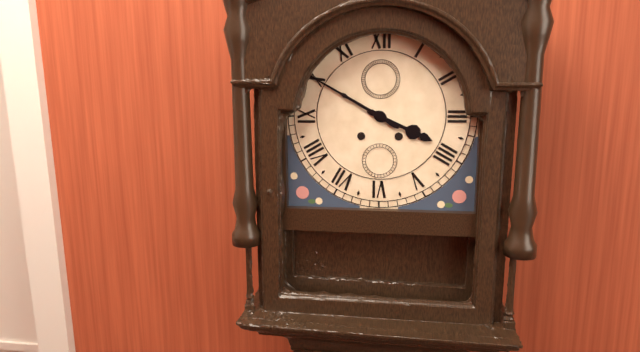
3:50
